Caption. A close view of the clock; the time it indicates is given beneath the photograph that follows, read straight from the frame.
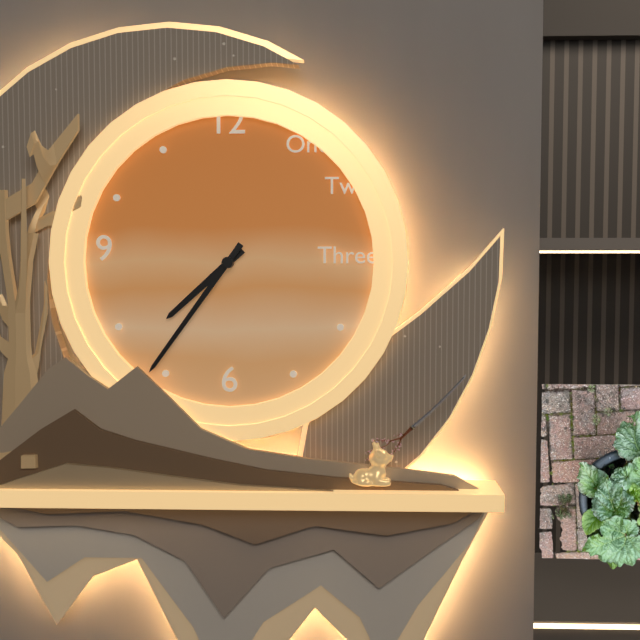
7:36
